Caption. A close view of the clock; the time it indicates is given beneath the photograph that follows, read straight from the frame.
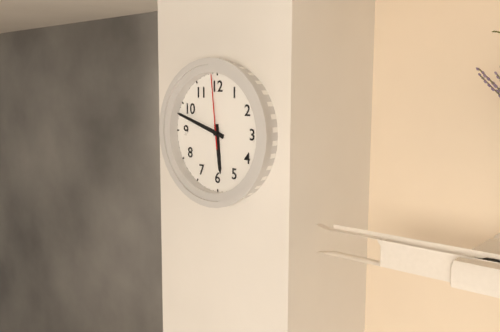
5:48:59
